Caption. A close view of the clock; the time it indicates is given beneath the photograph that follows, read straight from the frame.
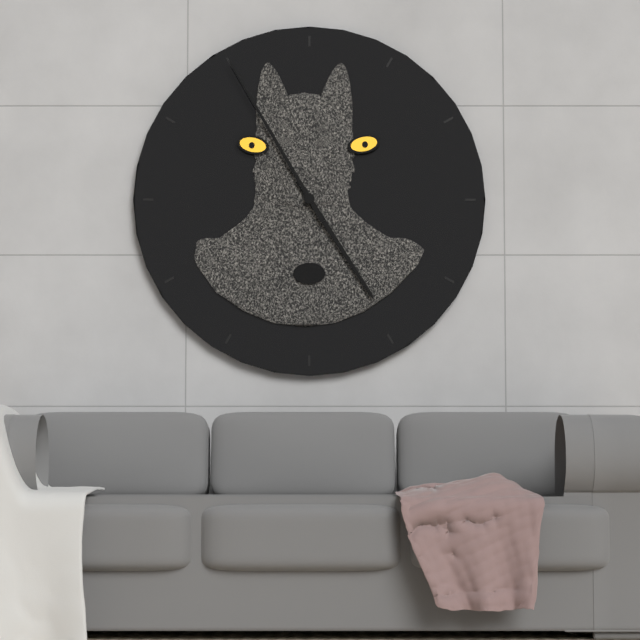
4:55
